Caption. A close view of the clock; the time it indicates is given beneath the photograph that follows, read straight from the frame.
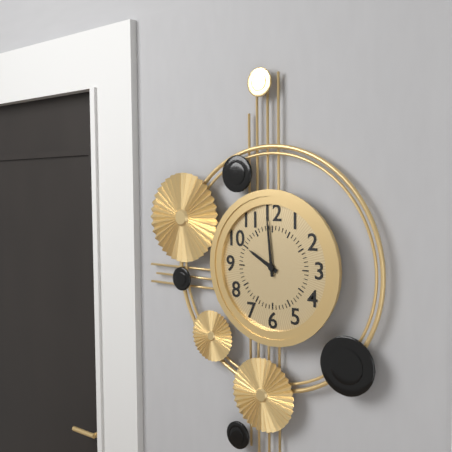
9:59
